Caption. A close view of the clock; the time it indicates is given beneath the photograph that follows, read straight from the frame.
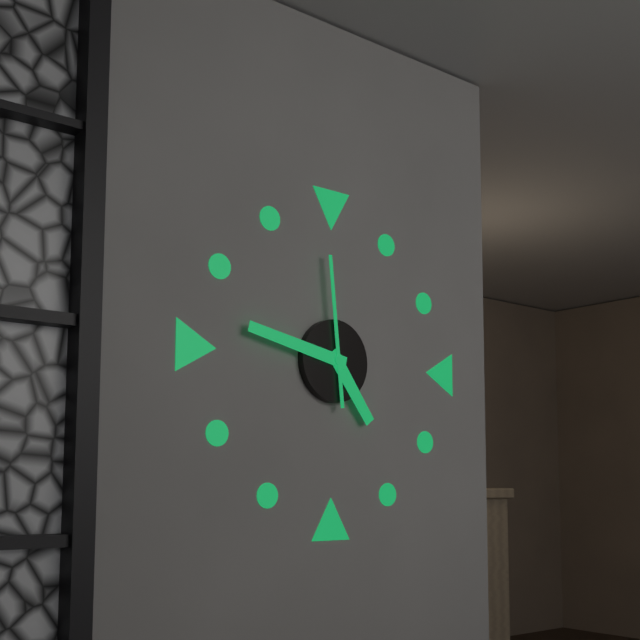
4:47:59
